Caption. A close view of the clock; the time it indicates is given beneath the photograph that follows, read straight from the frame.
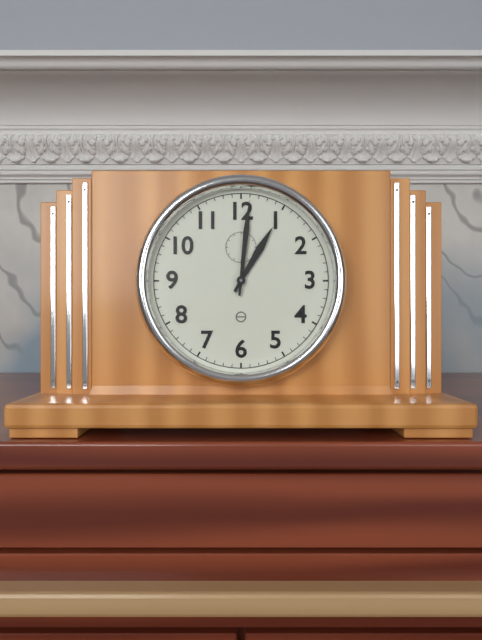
1:01
